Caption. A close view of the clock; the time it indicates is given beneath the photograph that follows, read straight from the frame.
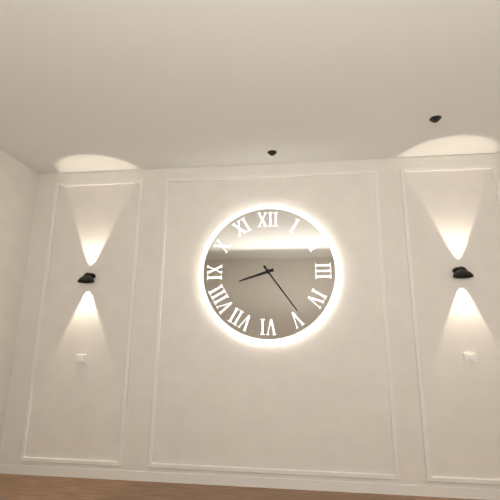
8:24
